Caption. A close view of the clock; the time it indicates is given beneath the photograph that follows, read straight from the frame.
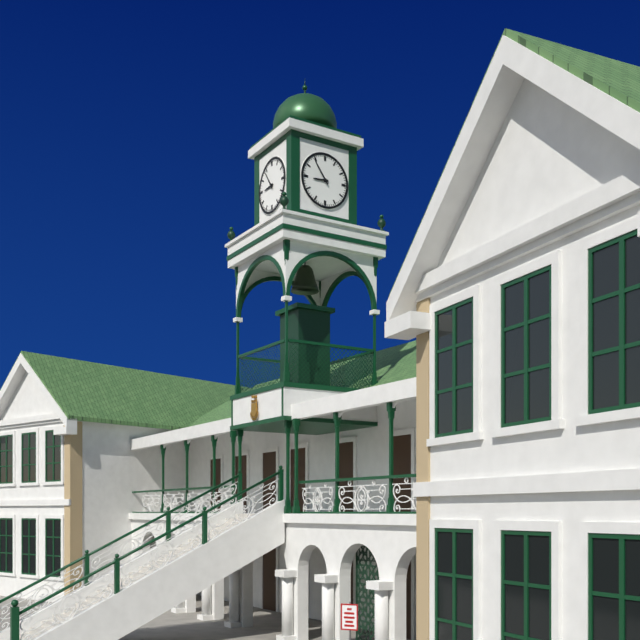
8:54
